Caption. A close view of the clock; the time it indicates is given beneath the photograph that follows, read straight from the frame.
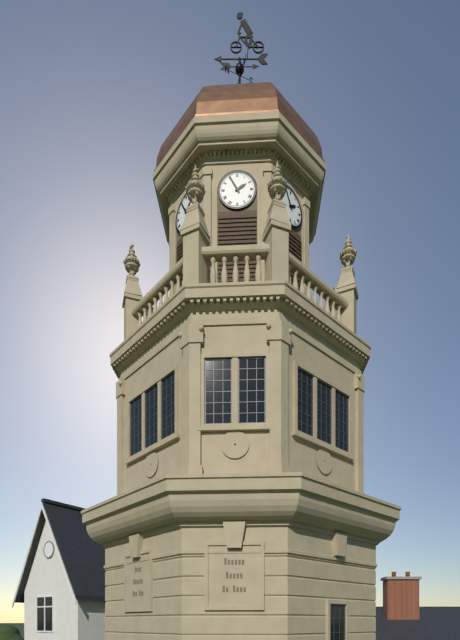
1:55
